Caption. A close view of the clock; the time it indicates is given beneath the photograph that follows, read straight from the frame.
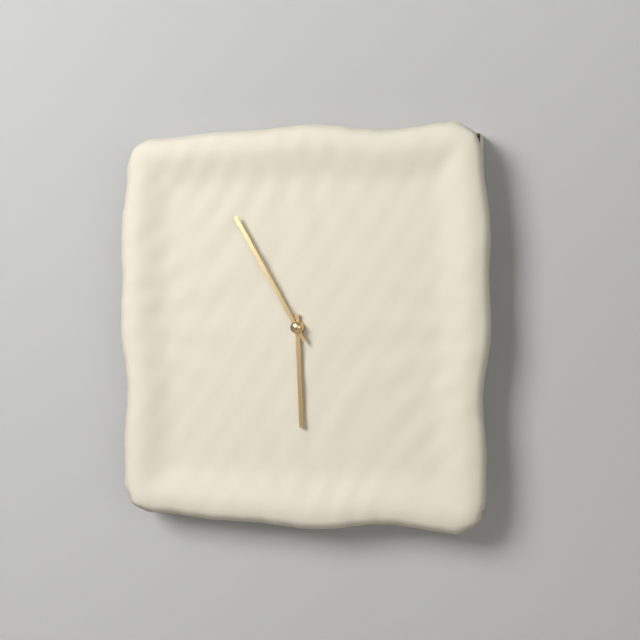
5:55
